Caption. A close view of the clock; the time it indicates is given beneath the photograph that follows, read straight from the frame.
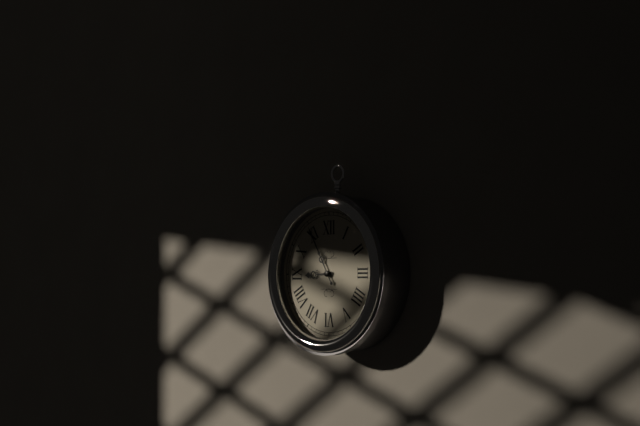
8:55
